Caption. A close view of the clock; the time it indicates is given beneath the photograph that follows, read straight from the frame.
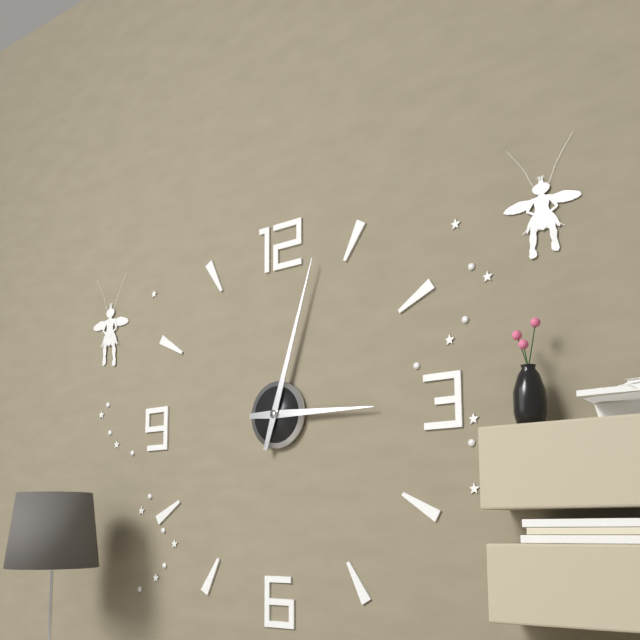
3:03
